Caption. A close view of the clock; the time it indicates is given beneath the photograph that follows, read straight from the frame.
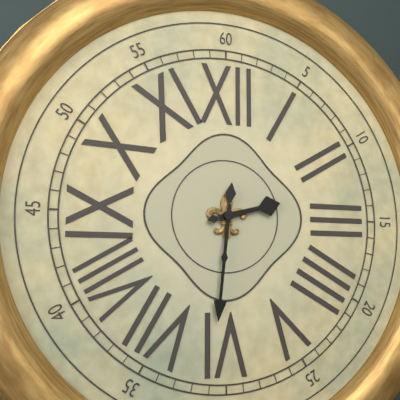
2:31
